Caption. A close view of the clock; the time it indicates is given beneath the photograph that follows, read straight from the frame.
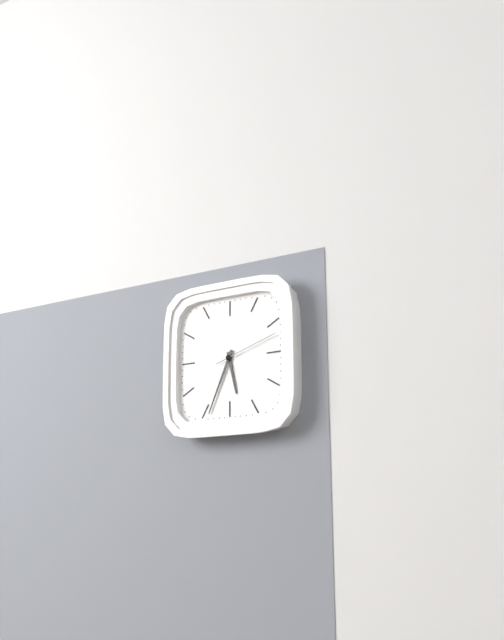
5:34:12
